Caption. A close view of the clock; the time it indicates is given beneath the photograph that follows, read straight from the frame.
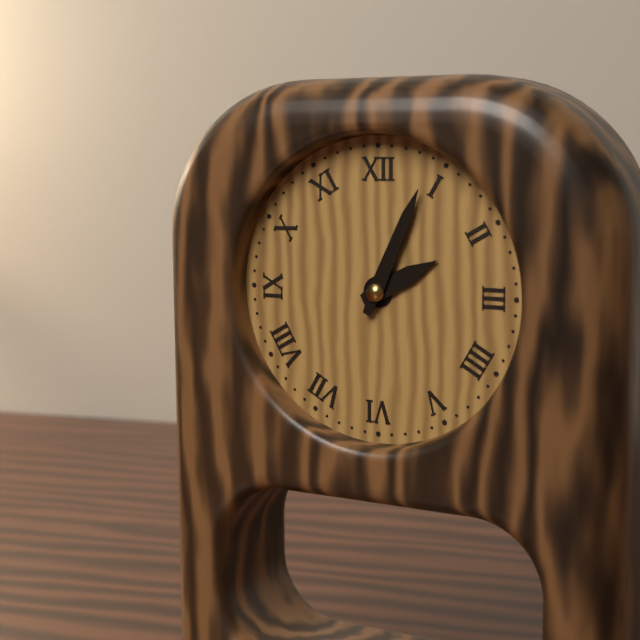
2:04
